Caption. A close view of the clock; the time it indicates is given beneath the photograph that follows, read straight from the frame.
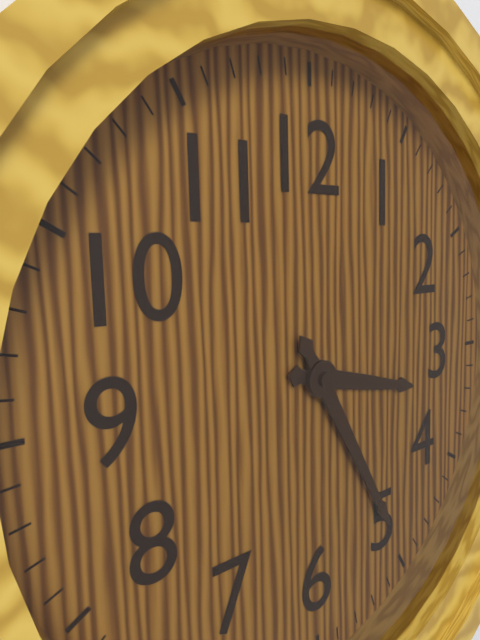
3:25
